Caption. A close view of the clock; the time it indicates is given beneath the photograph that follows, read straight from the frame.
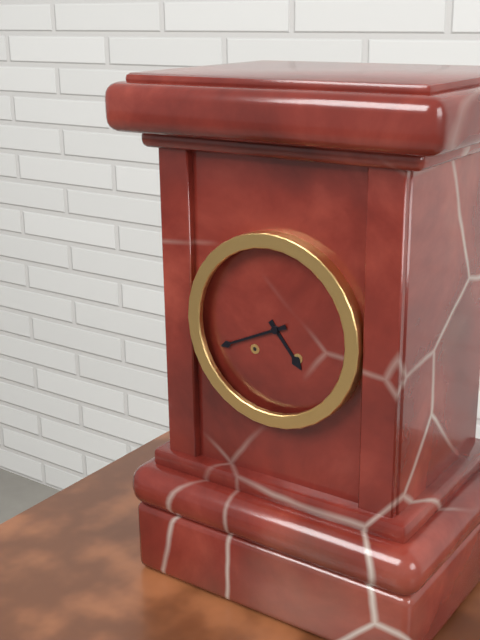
4:41
